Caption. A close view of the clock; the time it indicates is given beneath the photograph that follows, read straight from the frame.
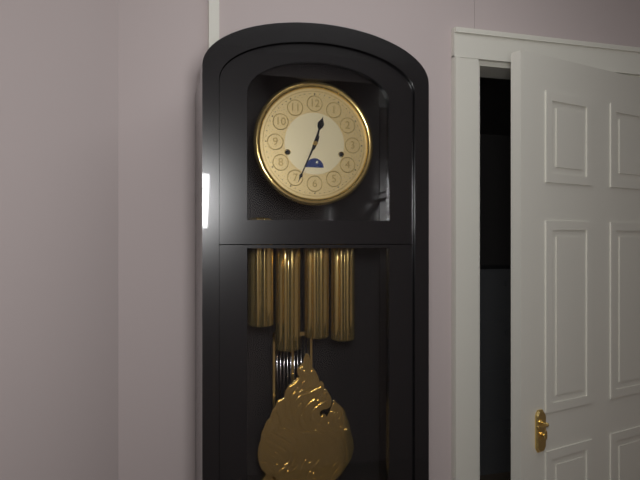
12:34
